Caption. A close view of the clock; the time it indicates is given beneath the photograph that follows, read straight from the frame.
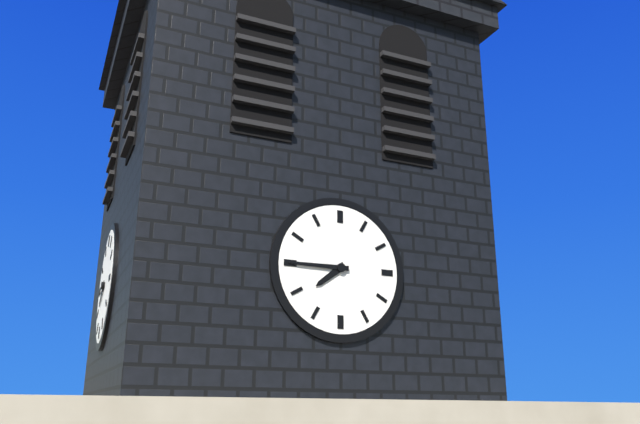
7:45
